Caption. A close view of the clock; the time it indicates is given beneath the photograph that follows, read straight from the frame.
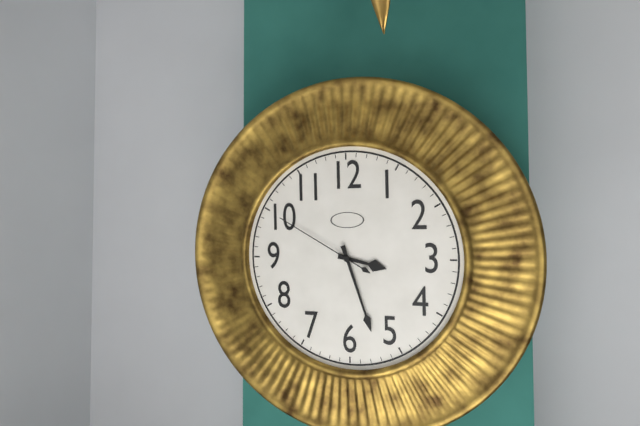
3:27:50
